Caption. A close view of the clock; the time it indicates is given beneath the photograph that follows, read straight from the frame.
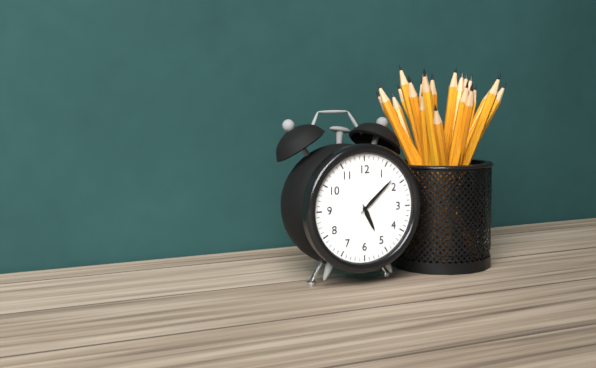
5:08
